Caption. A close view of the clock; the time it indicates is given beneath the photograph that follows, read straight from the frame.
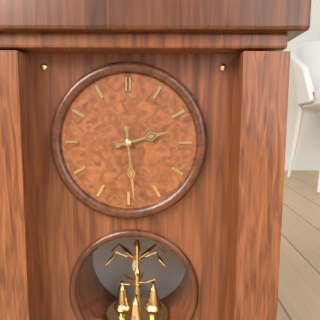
2:29
